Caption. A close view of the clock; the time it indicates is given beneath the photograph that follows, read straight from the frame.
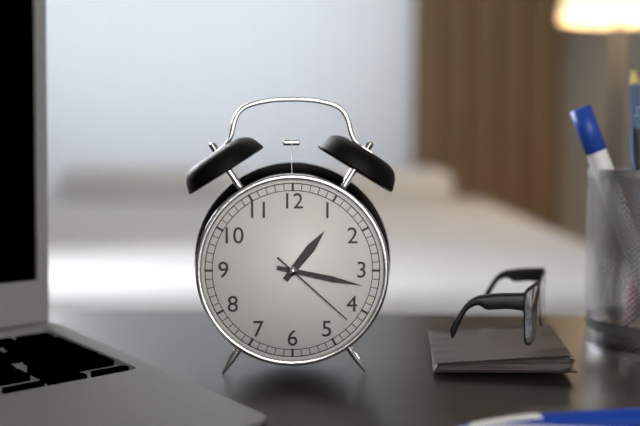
1:17:22
